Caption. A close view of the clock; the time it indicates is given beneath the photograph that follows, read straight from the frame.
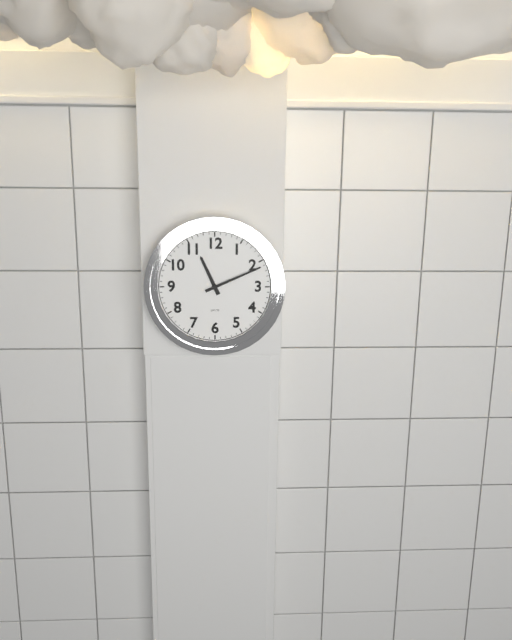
11:11
